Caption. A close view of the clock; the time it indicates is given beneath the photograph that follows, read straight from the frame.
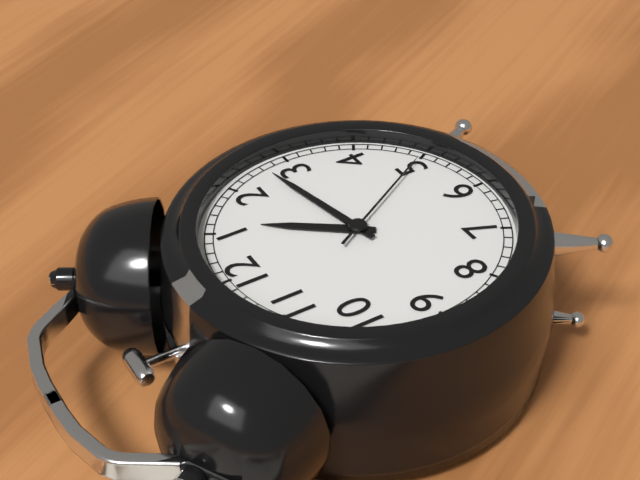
1:13:25
